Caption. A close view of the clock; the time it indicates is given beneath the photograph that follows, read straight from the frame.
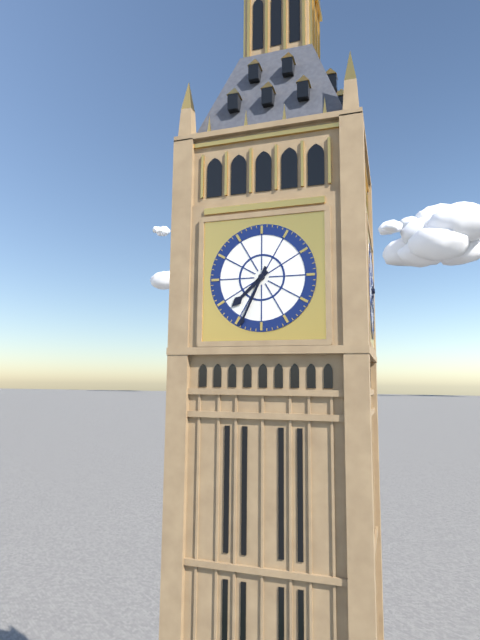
7:34
